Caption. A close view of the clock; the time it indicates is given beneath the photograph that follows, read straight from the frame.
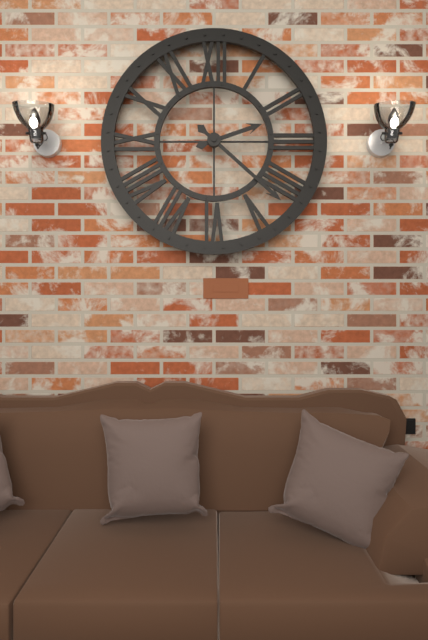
2:22
